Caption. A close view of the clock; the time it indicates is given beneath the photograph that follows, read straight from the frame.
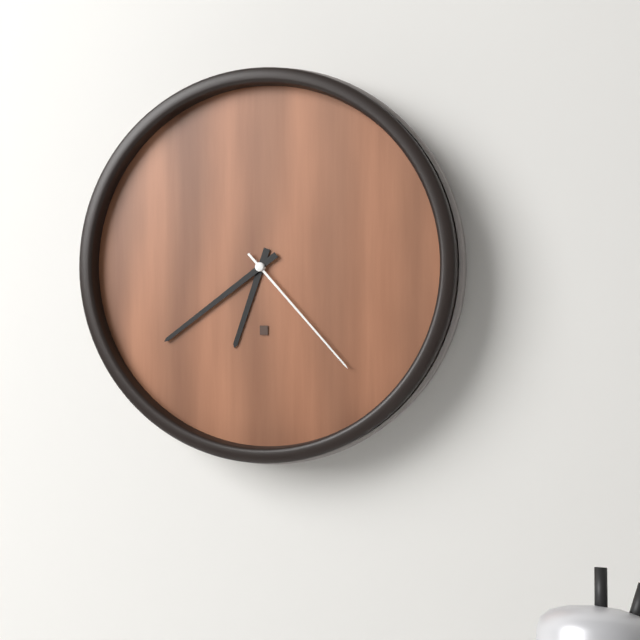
6:39:23
